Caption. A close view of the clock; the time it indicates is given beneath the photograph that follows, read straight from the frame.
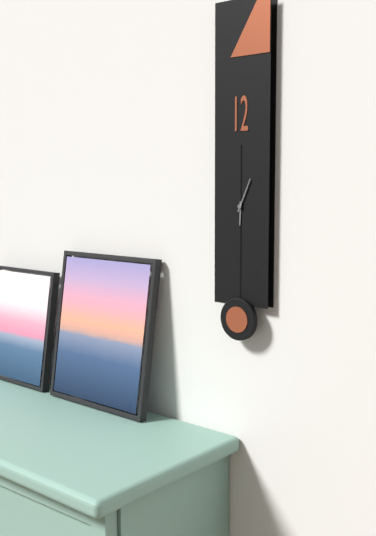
6:04
